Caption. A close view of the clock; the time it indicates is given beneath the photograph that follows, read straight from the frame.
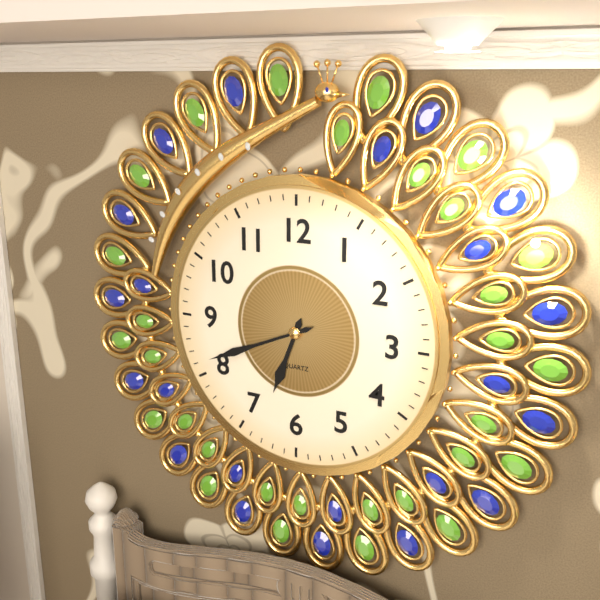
6:41
